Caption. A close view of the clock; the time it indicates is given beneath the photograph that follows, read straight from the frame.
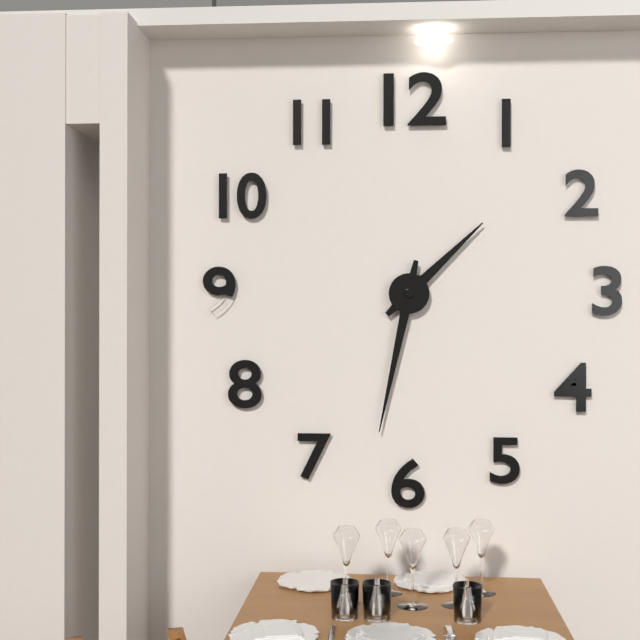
1:32
